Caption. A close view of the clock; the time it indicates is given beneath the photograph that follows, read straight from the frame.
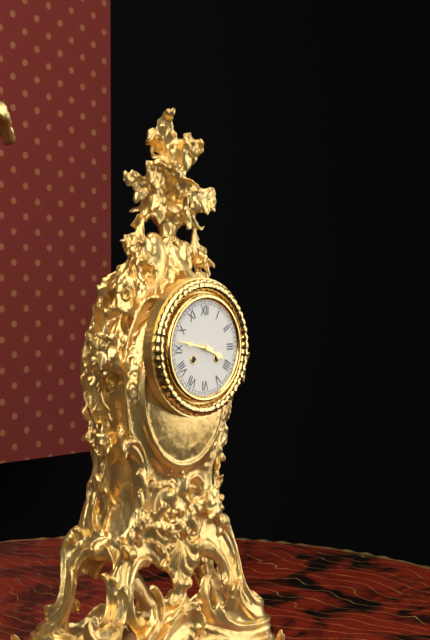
3:47
